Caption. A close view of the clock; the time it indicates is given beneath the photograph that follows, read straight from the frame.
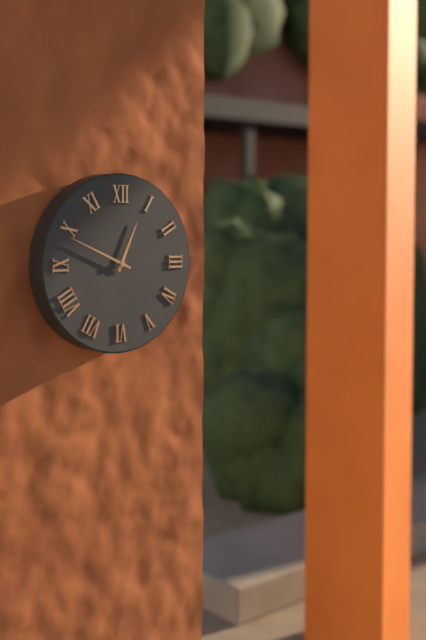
12:49
